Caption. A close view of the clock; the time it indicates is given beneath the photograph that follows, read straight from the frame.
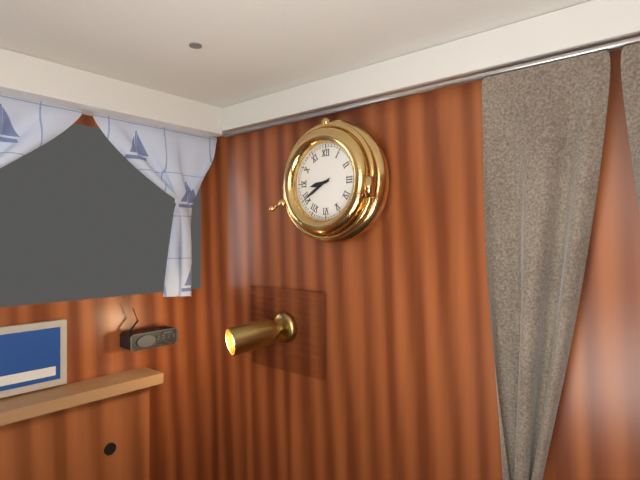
8:40
